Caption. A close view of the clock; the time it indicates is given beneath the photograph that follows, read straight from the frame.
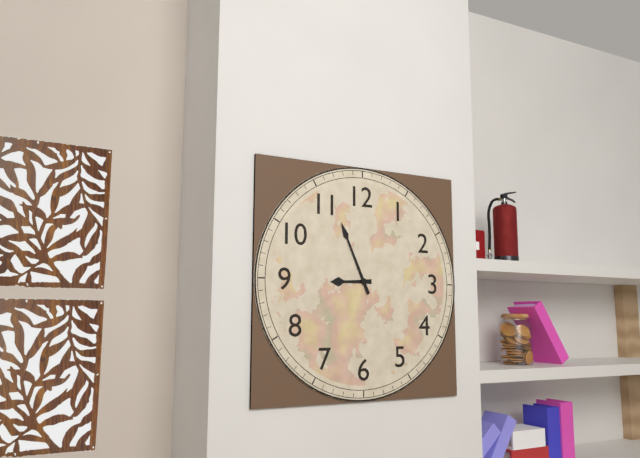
8:56
